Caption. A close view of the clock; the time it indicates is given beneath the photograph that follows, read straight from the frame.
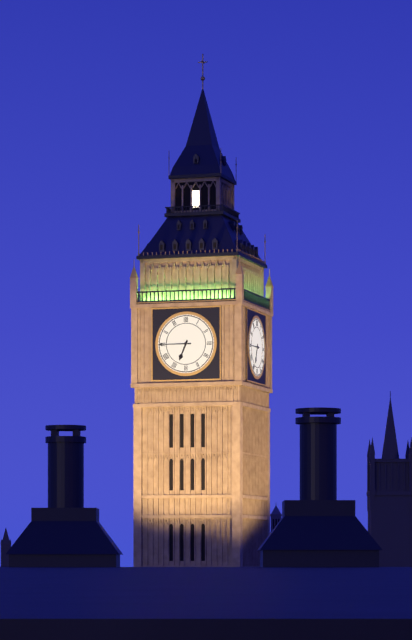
6:45
